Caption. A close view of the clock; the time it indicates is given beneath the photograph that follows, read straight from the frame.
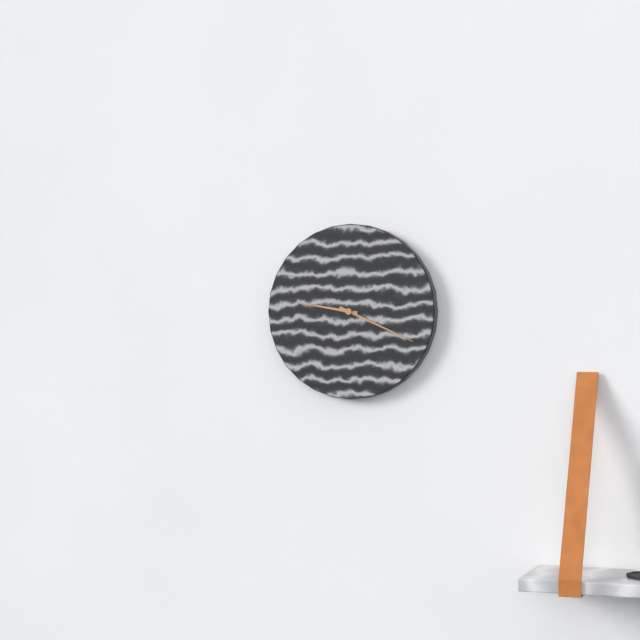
9:19
